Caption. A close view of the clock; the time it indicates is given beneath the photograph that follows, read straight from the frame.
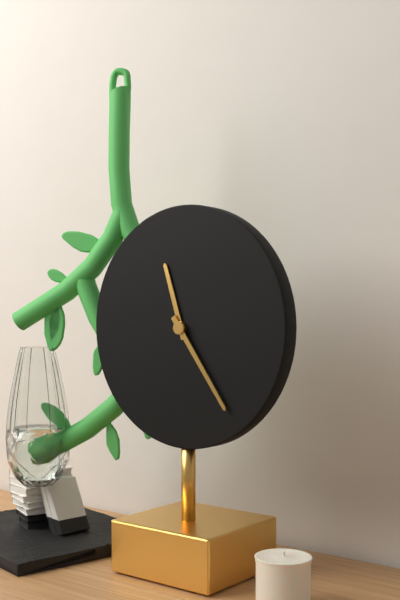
11:24
